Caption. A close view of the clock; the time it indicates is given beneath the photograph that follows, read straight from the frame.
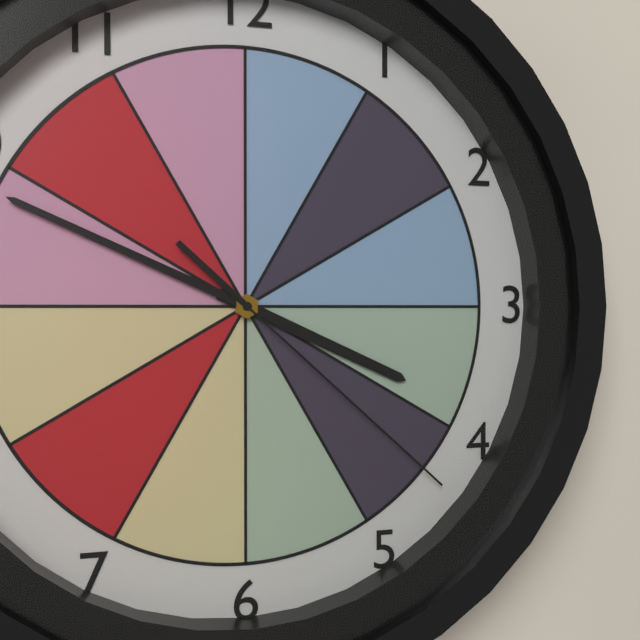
3:49:22
